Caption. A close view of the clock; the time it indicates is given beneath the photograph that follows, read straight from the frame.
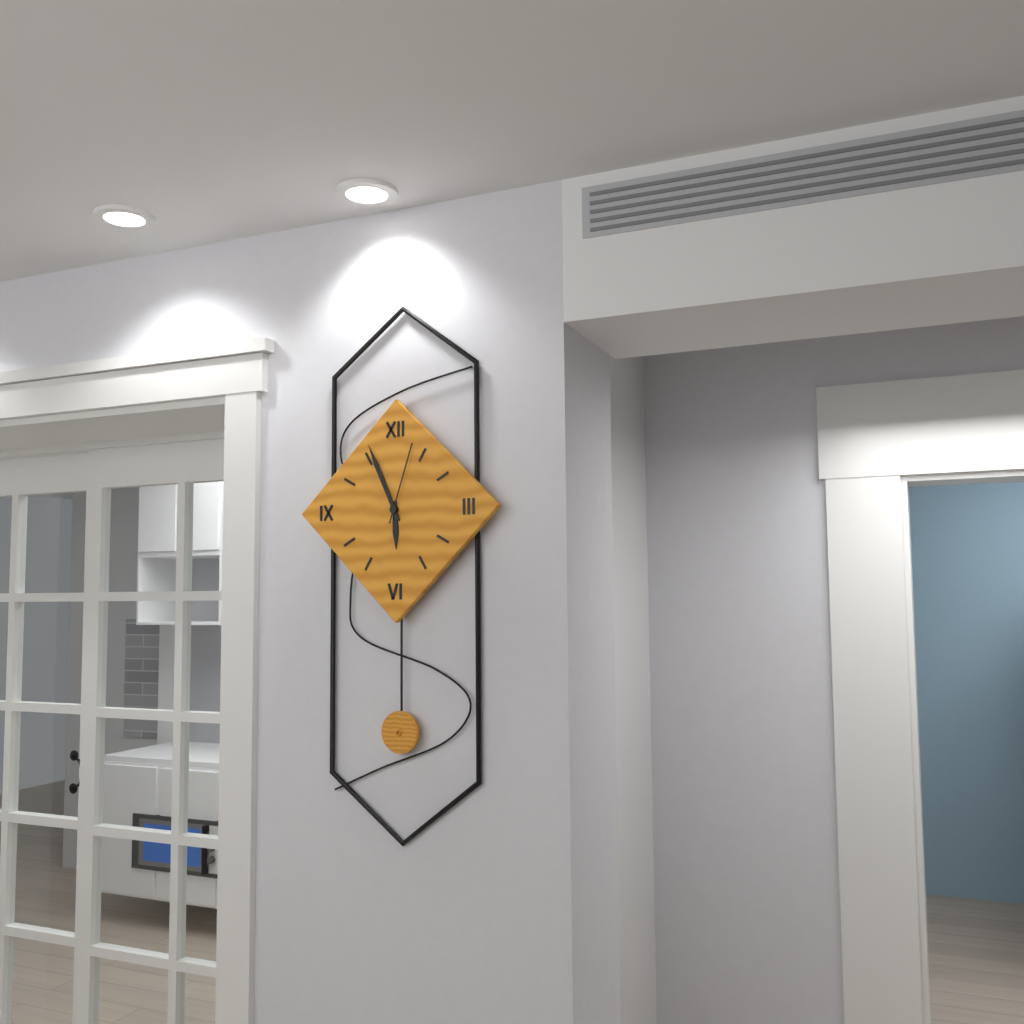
5:56:03
